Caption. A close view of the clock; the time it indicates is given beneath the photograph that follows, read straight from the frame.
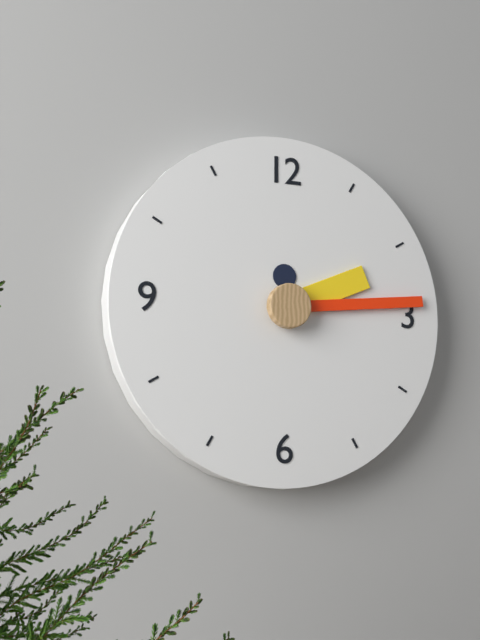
2:14
